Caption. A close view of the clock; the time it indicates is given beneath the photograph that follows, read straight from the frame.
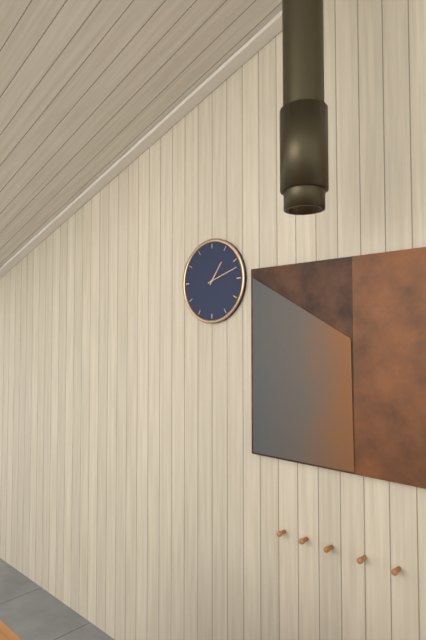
1:12
